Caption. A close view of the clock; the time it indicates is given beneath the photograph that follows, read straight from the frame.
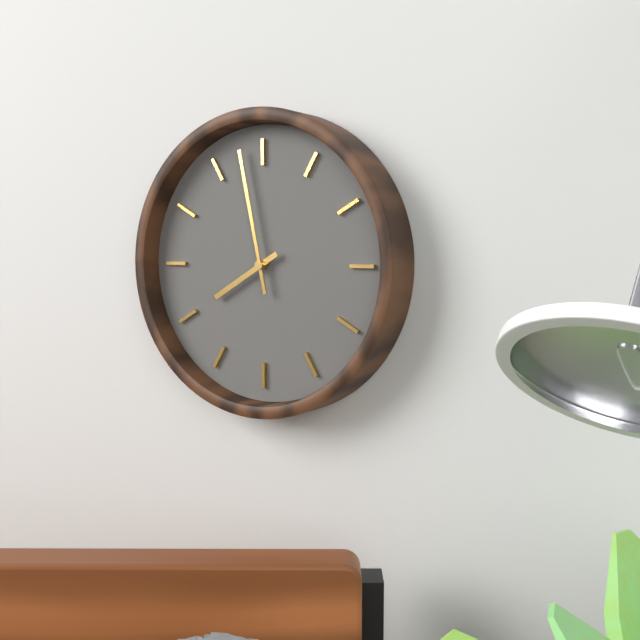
7:58
